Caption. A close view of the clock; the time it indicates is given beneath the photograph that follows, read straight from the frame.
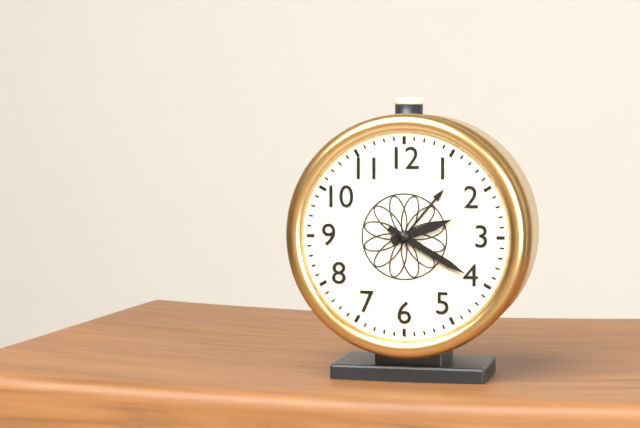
2:20
